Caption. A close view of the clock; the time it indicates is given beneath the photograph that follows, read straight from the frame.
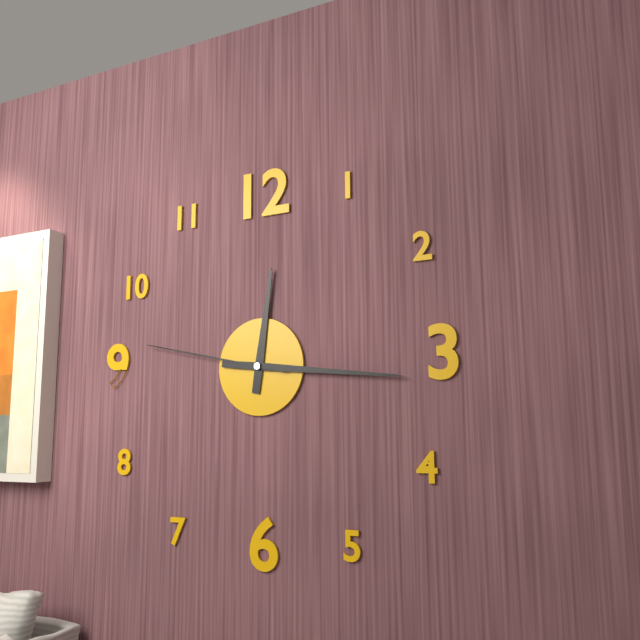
12:16:47
